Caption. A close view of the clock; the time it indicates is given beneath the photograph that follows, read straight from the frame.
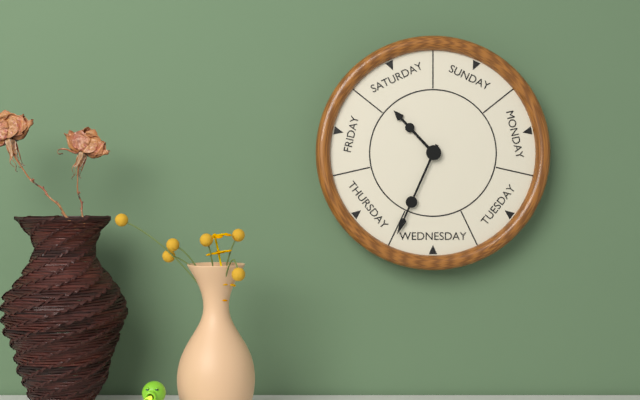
10:34
